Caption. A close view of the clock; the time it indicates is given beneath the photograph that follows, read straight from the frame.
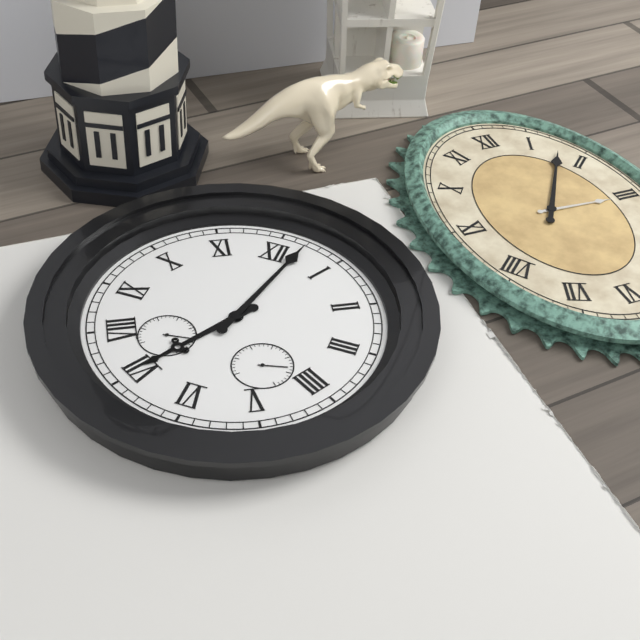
7:02
